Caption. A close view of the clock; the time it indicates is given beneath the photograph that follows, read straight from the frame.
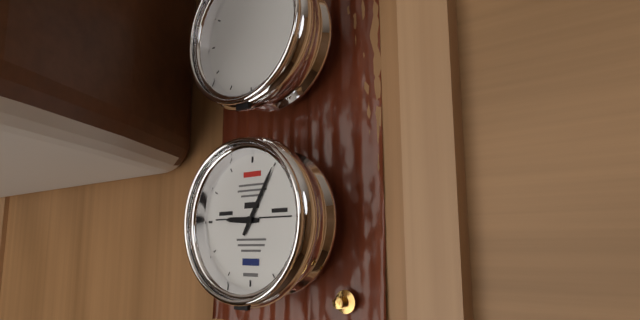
9:05
